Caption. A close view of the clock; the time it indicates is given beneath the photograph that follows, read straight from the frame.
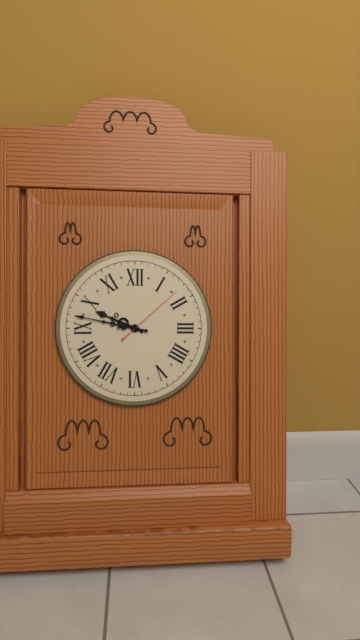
9:47:08
